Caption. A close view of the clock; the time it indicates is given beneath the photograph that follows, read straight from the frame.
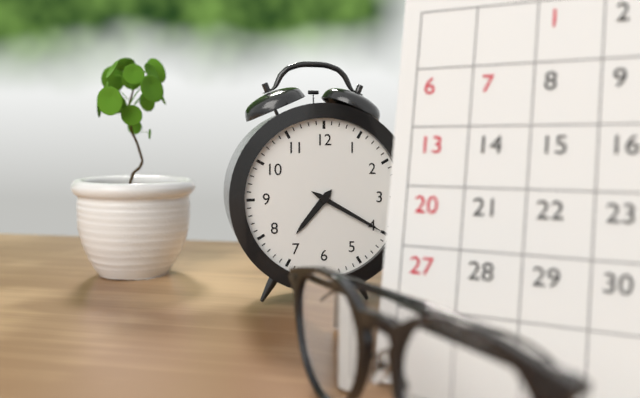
7:20
